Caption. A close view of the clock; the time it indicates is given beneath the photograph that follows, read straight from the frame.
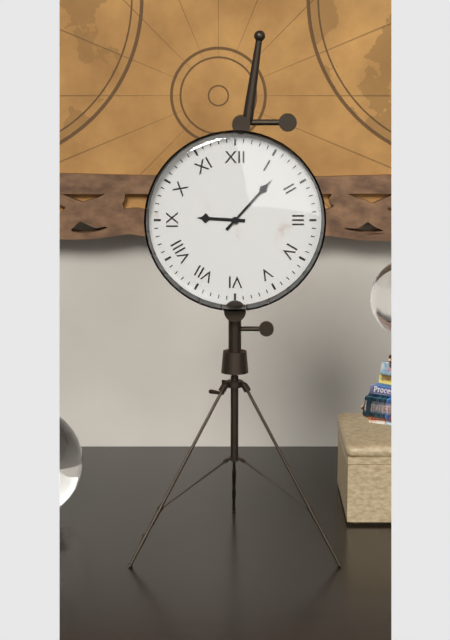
9:07
